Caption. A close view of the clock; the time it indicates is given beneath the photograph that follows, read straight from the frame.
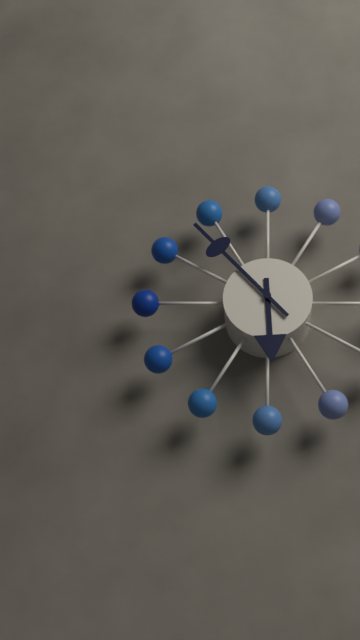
5:53
